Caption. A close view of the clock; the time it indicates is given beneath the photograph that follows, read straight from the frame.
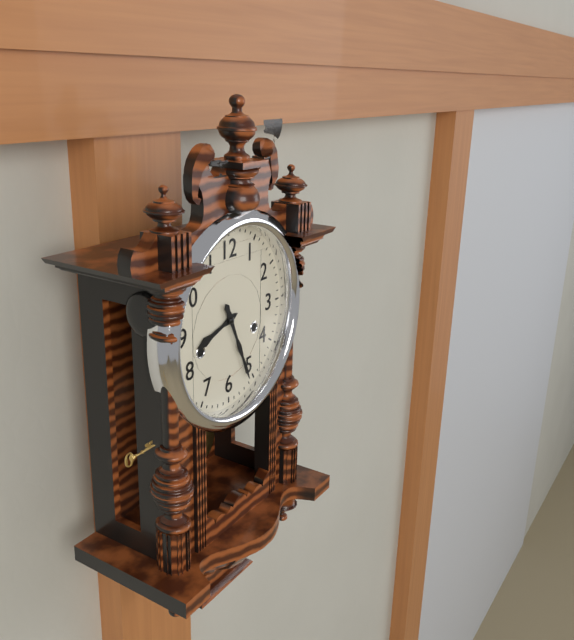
8:26
